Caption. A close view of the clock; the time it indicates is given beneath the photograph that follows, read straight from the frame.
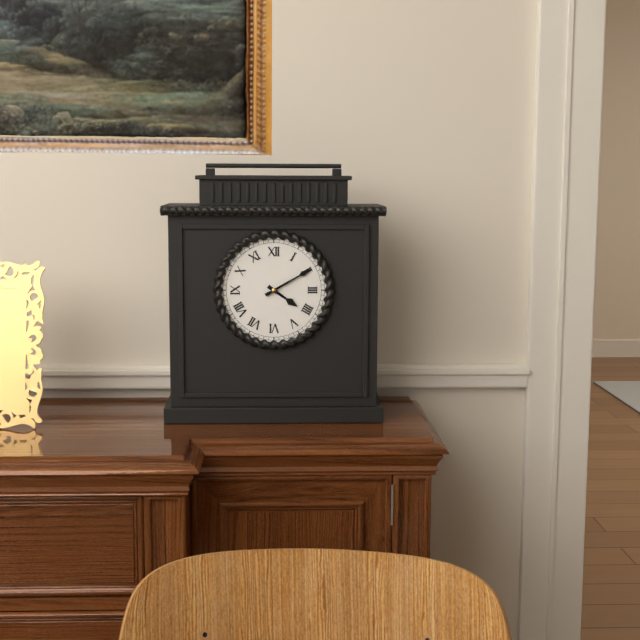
4:10
